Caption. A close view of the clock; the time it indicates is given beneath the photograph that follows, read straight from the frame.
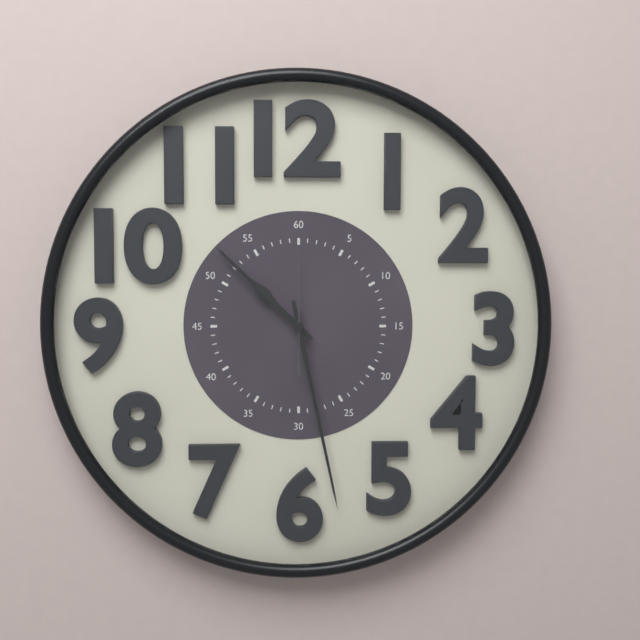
10:28:00
